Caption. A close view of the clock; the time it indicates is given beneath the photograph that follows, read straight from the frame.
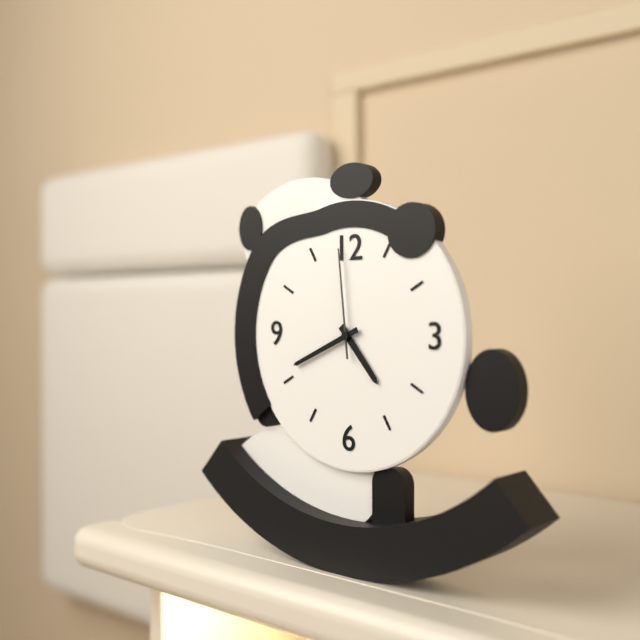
4:41:59
